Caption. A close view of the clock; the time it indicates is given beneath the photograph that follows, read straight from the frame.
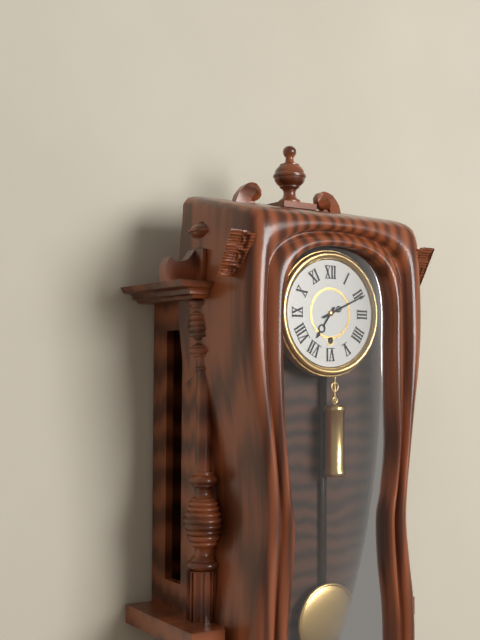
7:11
